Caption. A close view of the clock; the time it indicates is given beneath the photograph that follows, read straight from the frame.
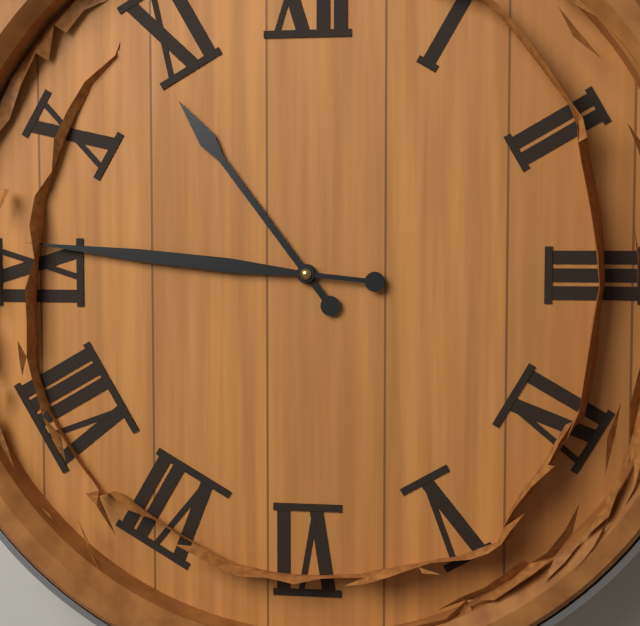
10:46
